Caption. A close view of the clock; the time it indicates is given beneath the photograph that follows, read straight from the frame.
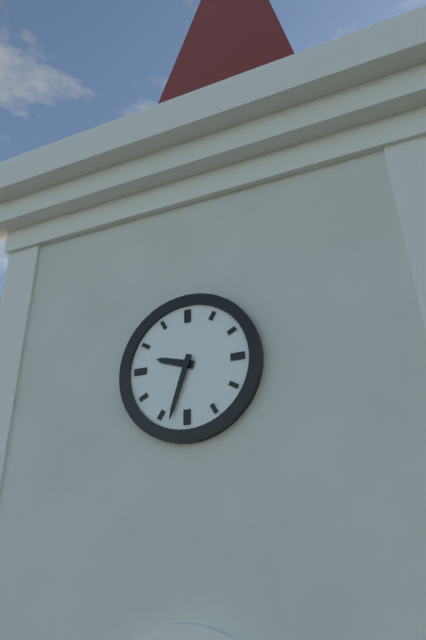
9:33
